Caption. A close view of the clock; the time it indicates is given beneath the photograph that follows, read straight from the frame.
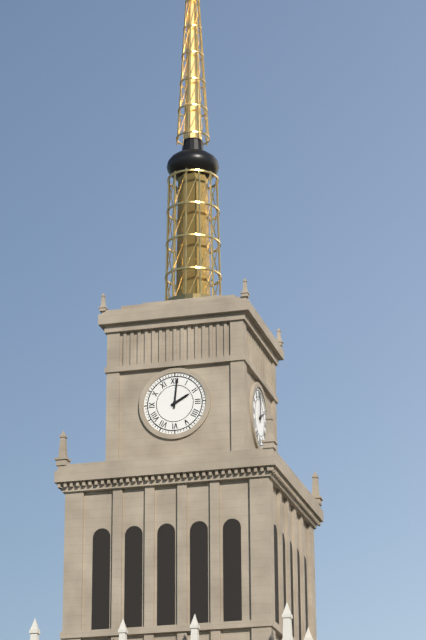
2:01
